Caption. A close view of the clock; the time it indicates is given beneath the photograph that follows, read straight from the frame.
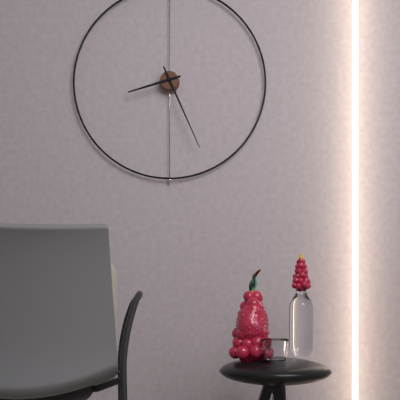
8:26
